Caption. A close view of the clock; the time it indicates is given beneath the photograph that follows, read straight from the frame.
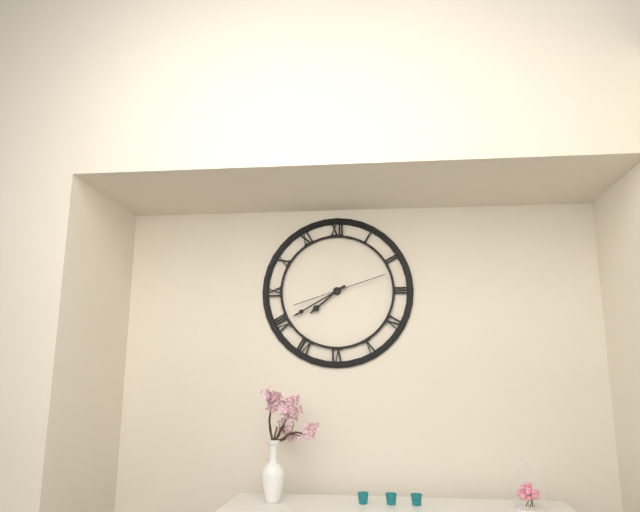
7:40:12
